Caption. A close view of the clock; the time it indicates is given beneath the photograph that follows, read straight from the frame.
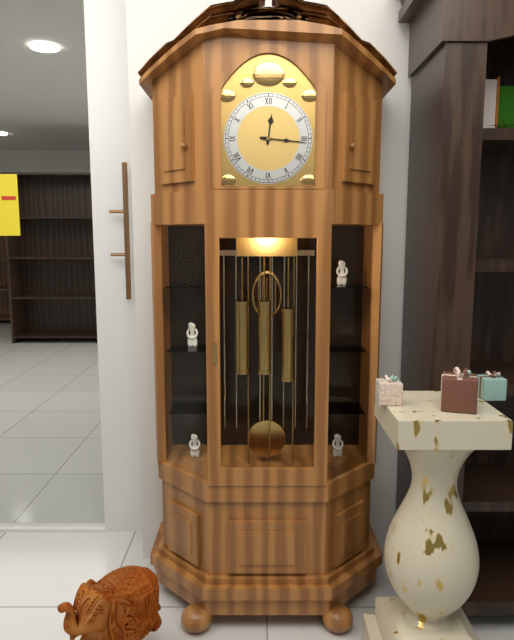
12:16
